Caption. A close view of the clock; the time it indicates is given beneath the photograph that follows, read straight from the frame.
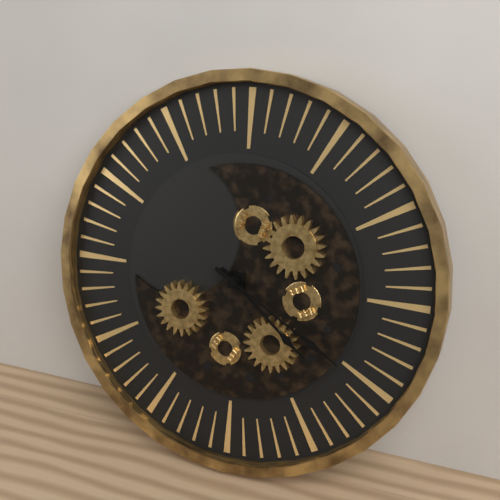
4:20
